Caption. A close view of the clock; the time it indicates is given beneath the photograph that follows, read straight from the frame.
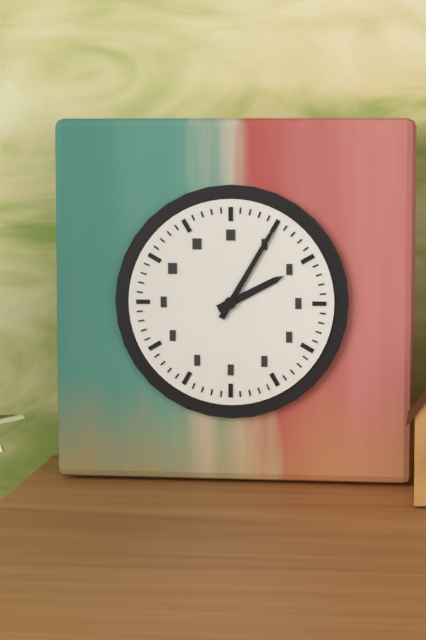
2:05
